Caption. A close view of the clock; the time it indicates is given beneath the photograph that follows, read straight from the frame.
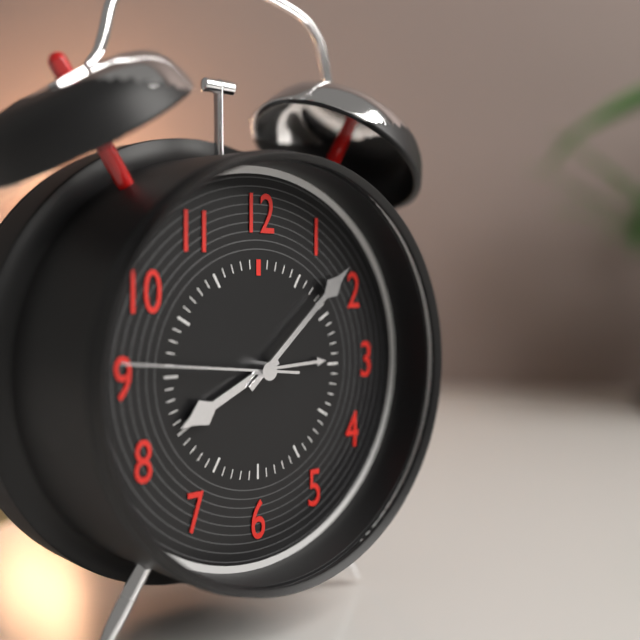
8:08:46
